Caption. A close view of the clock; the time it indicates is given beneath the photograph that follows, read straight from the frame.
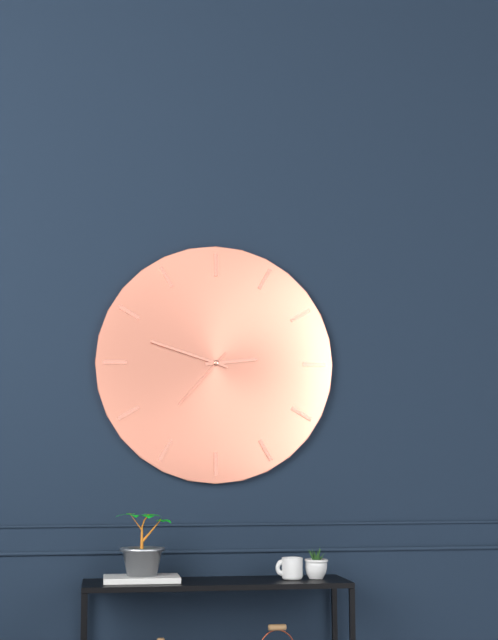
2:48:37
